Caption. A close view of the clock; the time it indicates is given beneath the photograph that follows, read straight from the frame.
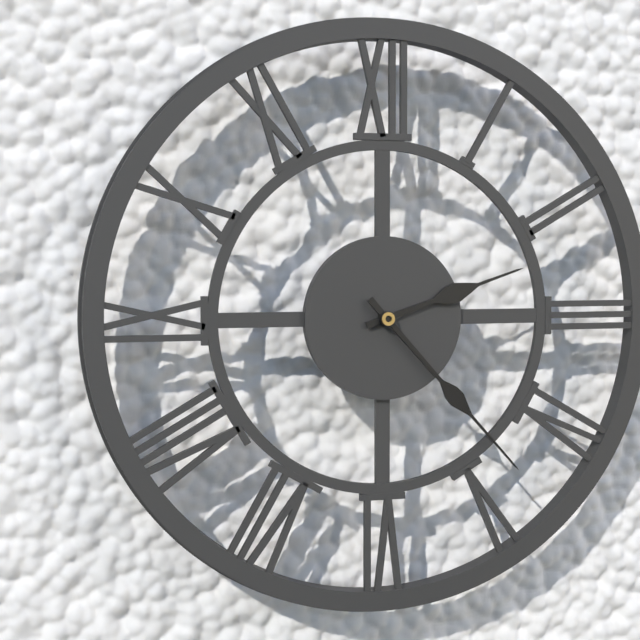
2:23
